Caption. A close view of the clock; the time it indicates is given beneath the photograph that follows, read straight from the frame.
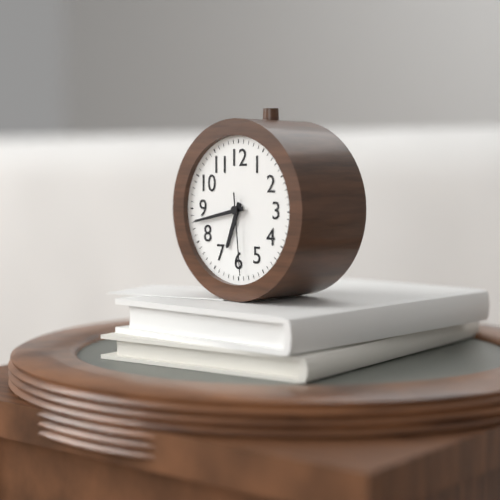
6:43:29
